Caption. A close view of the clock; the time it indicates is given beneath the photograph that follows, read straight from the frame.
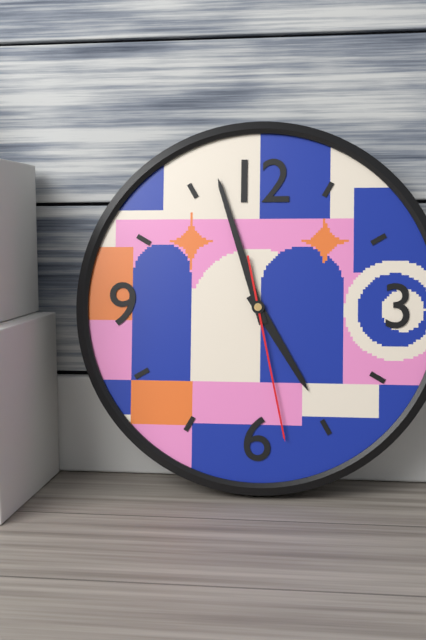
4:57:28
